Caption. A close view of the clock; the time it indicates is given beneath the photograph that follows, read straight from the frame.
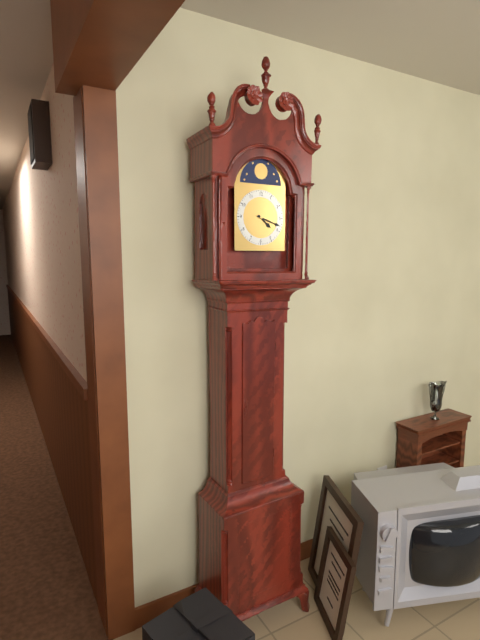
4:18
